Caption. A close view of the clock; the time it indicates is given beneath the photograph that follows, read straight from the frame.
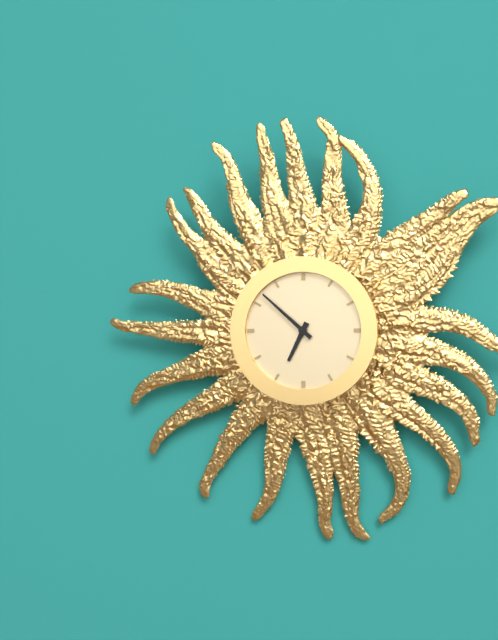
6:52
